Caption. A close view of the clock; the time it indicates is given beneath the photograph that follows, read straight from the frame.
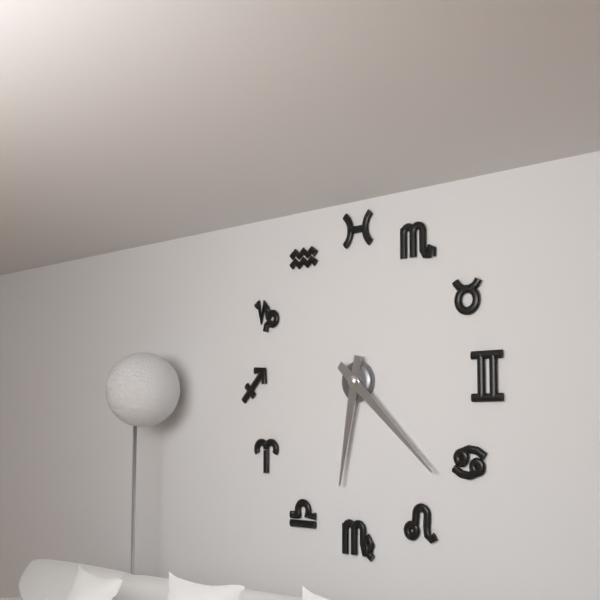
6:22
